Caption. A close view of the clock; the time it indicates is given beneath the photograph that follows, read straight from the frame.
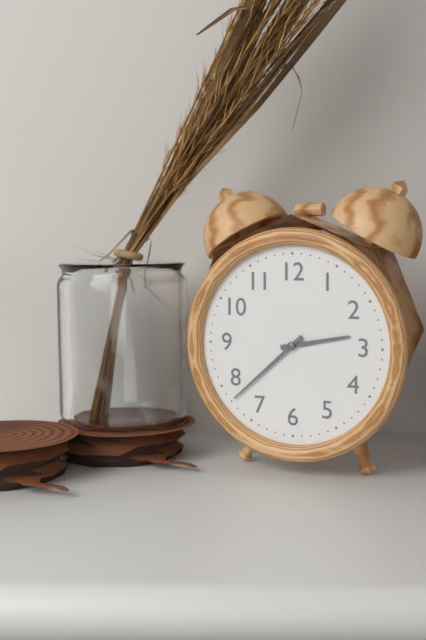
2:38
